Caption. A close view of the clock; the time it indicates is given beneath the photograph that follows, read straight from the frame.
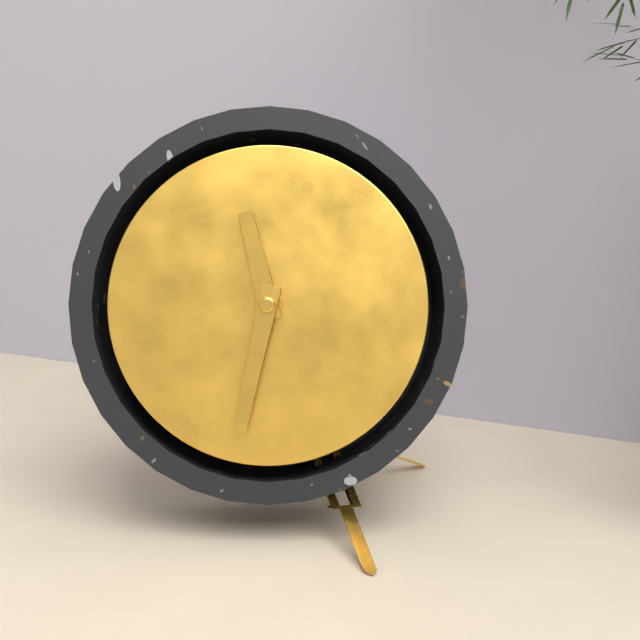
11:32
